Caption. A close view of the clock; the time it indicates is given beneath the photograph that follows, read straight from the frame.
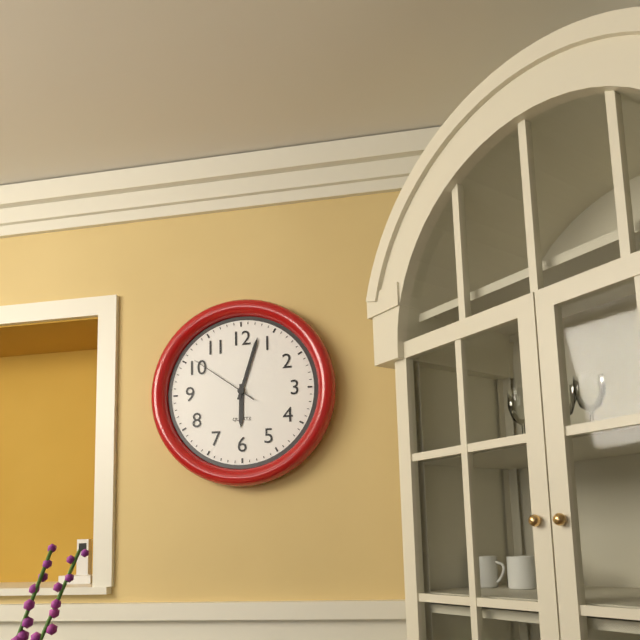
6:03:51
